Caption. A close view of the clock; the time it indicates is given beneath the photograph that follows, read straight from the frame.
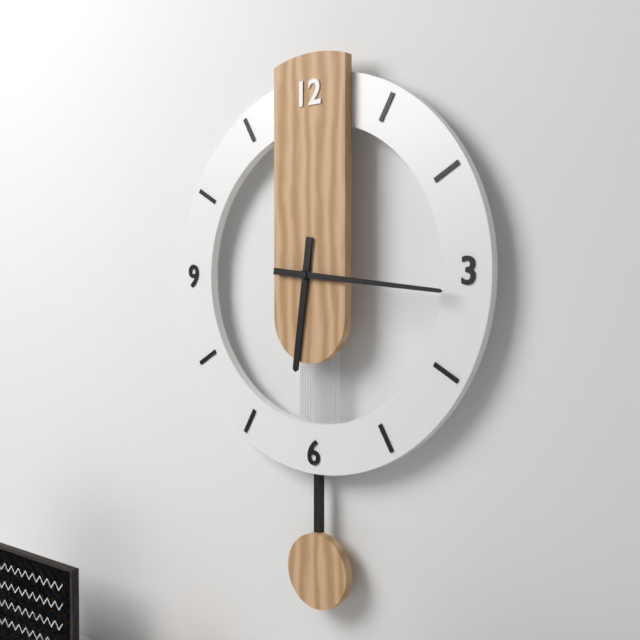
6:16
